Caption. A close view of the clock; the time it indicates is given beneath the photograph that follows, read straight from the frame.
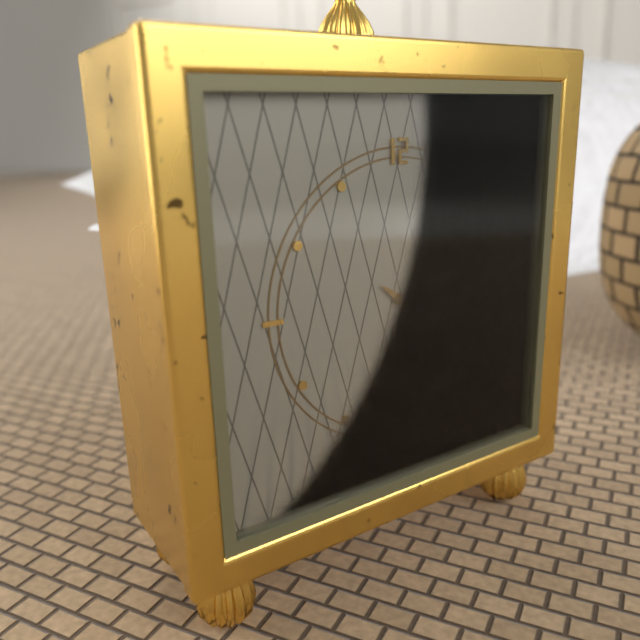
4:21
